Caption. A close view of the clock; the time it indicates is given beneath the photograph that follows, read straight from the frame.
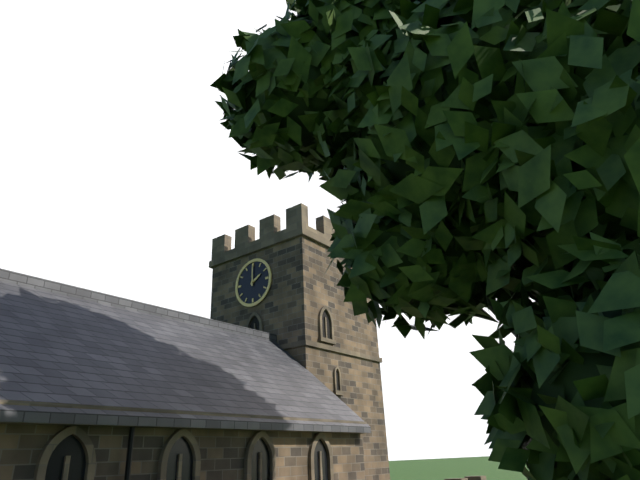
2:00
